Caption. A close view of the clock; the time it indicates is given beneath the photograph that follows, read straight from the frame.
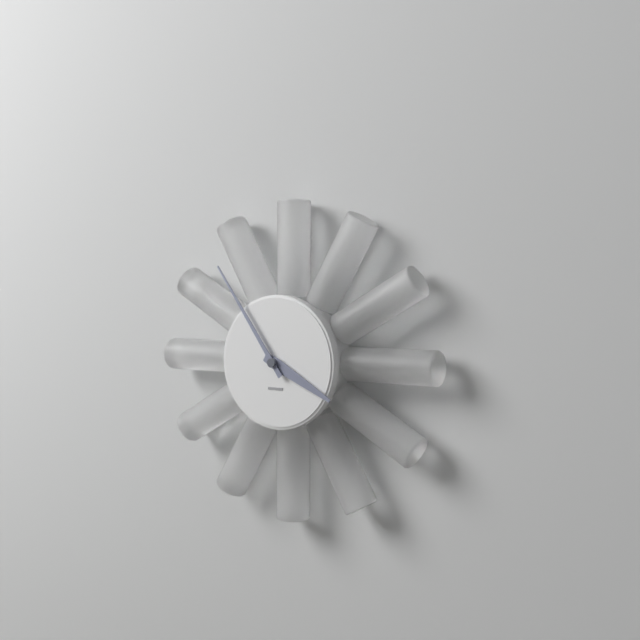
3:54
